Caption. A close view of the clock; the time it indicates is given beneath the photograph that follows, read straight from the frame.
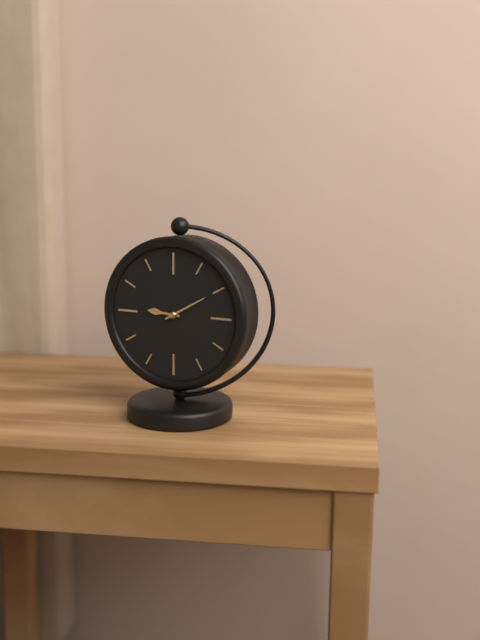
9:10
